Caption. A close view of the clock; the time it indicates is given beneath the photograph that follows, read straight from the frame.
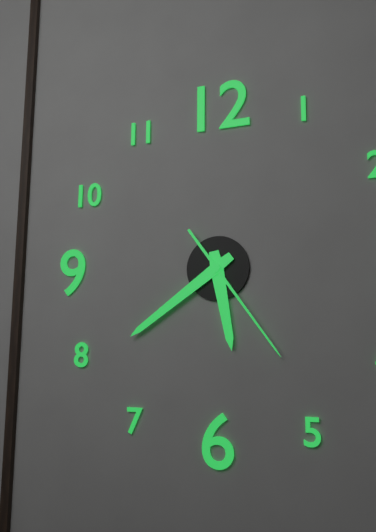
5:39:24
